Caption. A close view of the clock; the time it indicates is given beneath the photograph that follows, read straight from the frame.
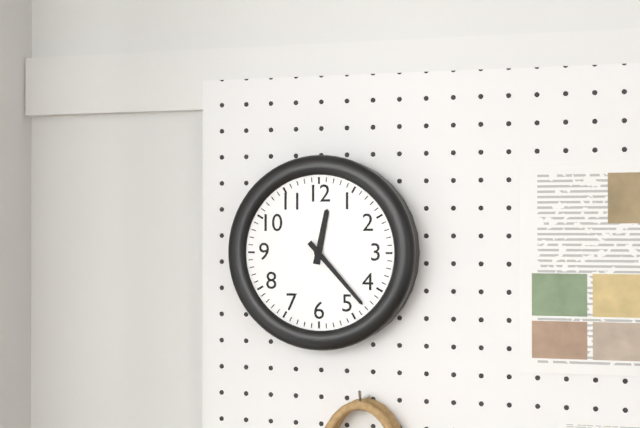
12:23
